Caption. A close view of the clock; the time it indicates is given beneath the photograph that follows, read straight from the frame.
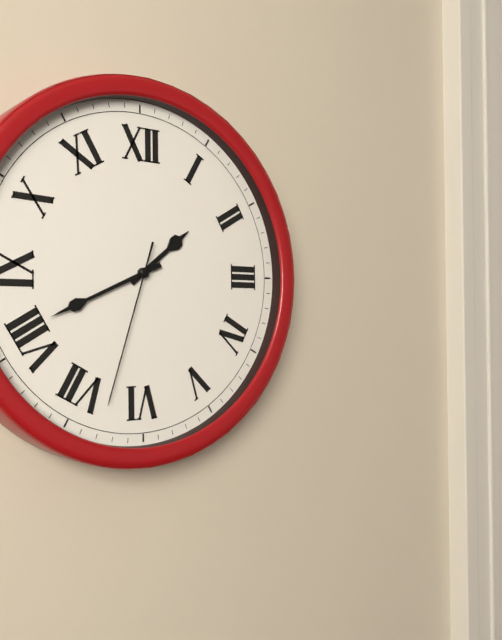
1:41:33
